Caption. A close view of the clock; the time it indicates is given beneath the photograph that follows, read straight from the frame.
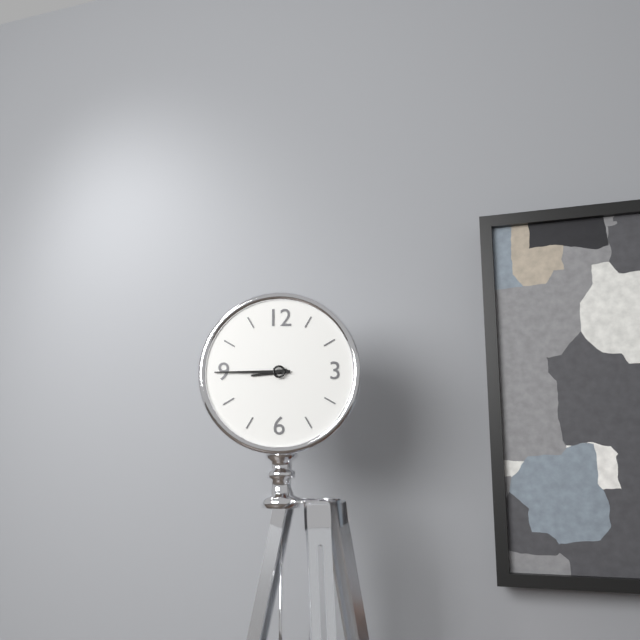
8:45
